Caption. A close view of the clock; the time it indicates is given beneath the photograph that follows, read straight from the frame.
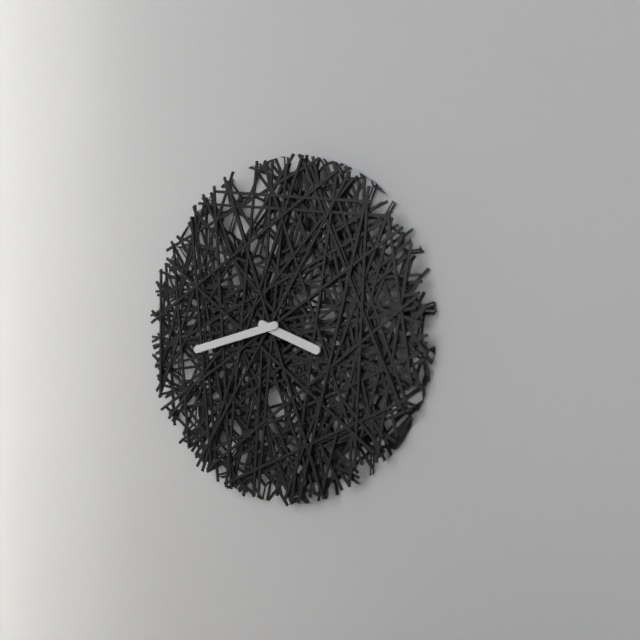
3:43
